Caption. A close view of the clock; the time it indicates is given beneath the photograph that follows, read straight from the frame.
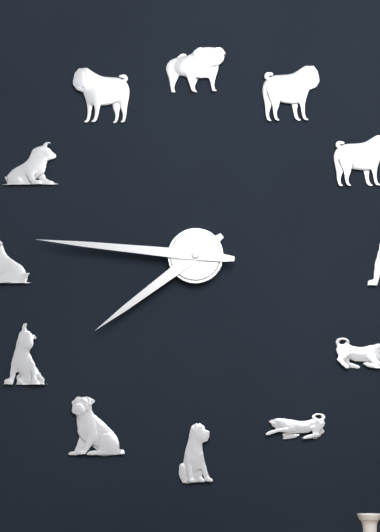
7:46
